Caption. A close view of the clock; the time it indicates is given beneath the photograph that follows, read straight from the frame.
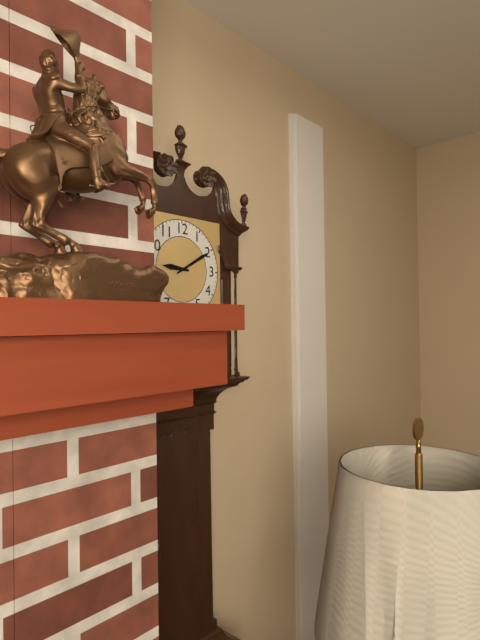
9:10
